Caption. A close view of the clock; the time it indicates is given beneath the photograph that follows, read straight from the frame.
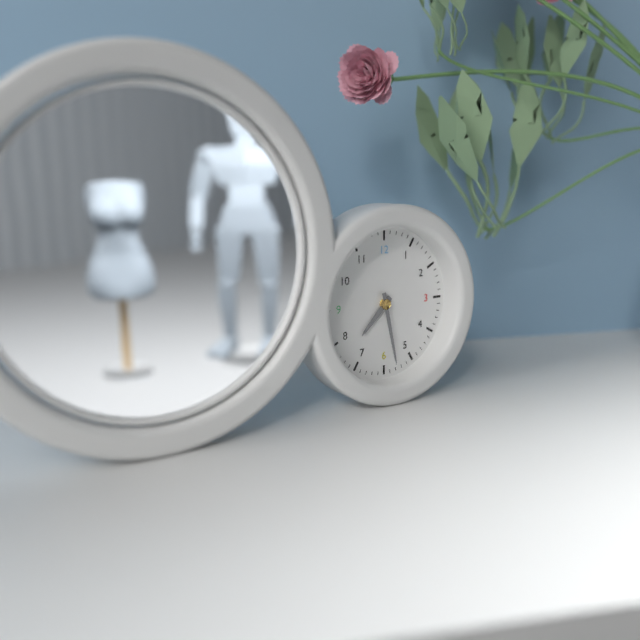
7:28
